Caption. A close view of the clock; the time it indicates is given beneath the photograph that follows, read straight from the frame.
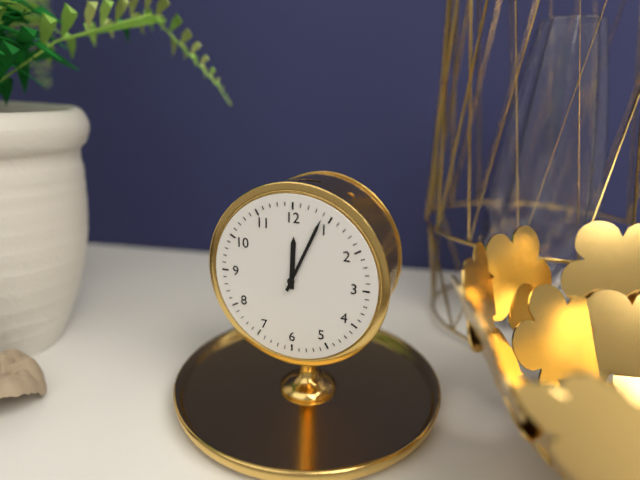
12:04
